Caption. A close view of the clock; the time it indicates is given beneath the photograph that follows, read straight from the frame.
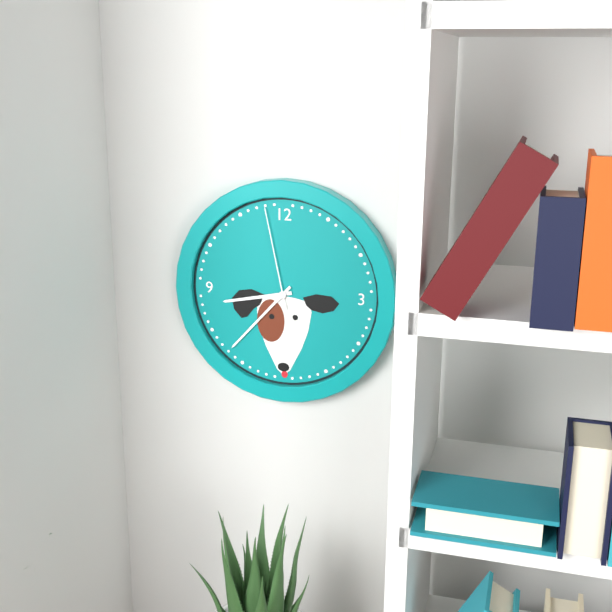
8:37:58
